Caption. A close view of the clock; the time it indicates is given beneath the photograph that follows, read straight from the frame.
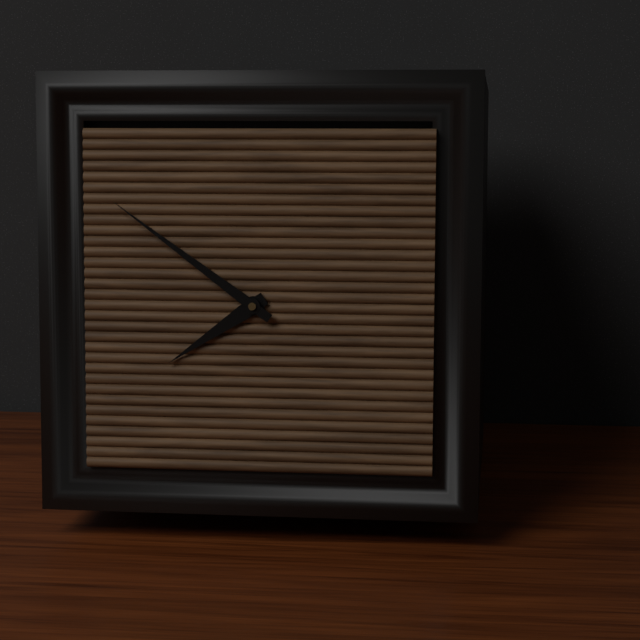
7:51
